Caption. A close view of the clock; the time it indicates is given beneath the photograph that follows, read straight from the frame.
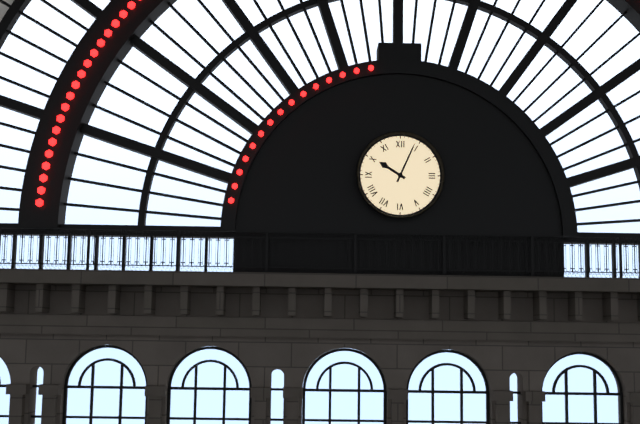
10:04
